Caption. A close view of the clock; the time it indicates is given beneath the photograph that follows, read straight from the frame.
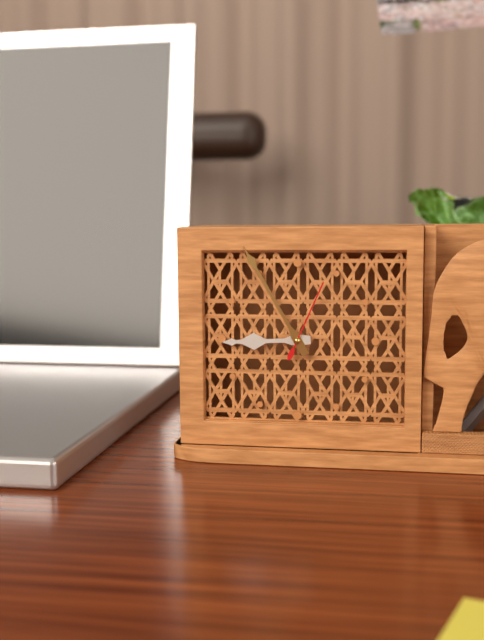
8:55:04
